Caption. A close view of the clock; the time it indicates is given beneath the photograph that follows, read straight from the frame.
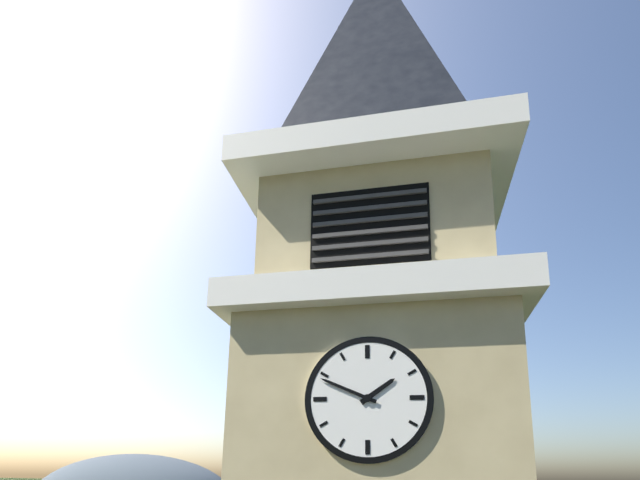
1:49
